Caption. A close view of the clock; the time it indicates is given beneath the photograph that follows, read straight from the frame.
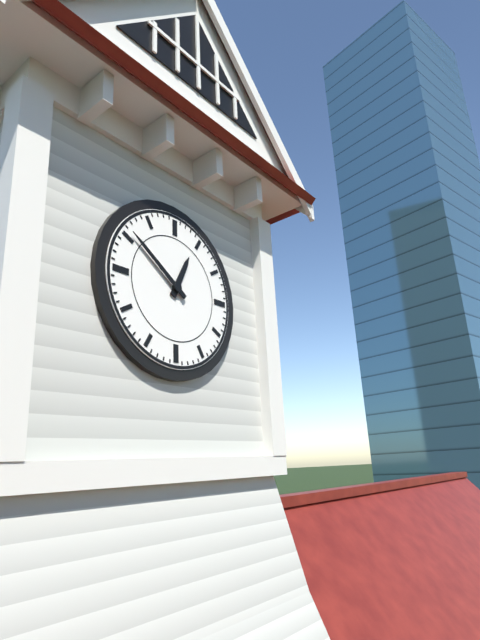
12:51
